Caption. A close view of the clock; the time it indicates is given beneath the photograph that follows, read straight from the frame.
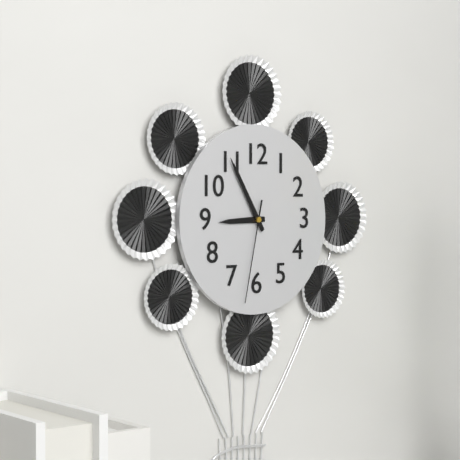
8:55:32
